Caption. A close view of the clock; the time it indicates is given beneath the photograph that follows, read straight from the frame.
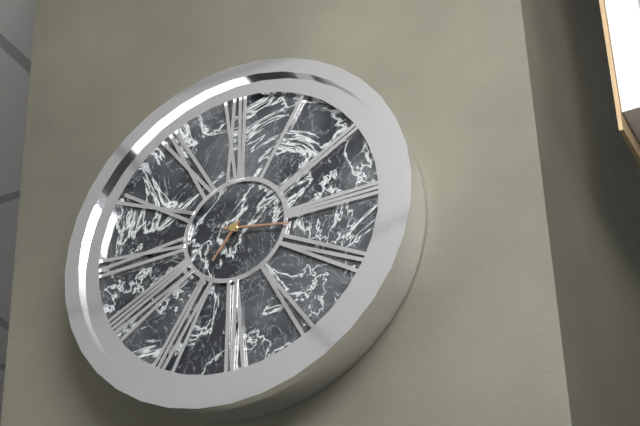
7:17
